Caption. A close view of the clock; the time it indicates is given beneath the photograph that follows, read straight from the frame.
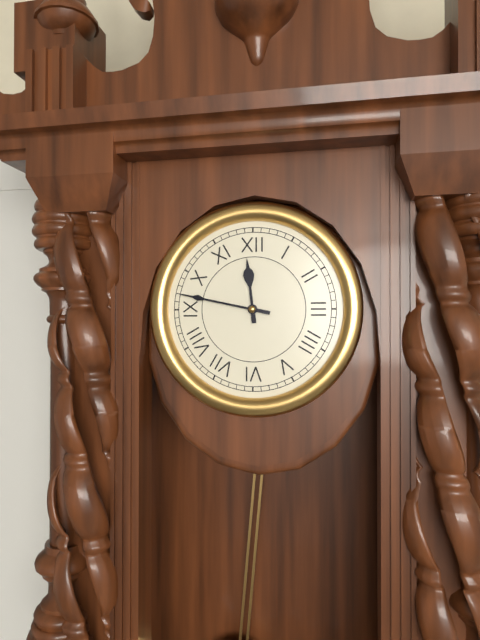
11:47
